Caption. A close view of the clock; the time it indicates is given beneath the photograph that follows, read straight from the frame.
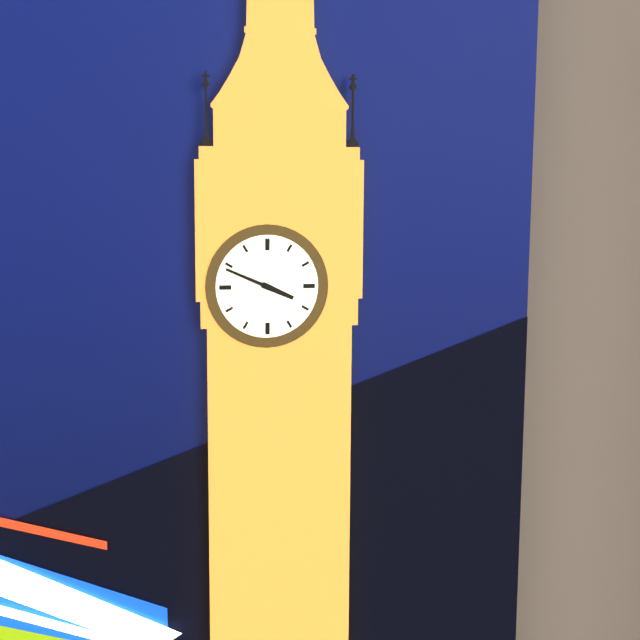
3:49
